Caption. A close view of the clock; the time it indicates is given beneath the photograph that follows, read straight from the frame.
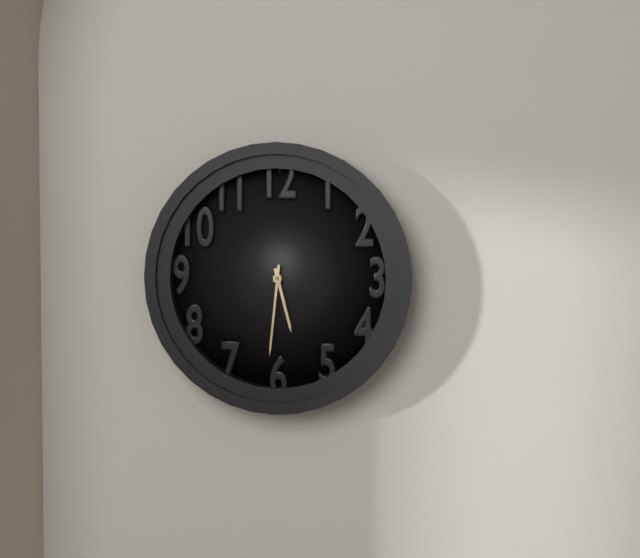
5:31
